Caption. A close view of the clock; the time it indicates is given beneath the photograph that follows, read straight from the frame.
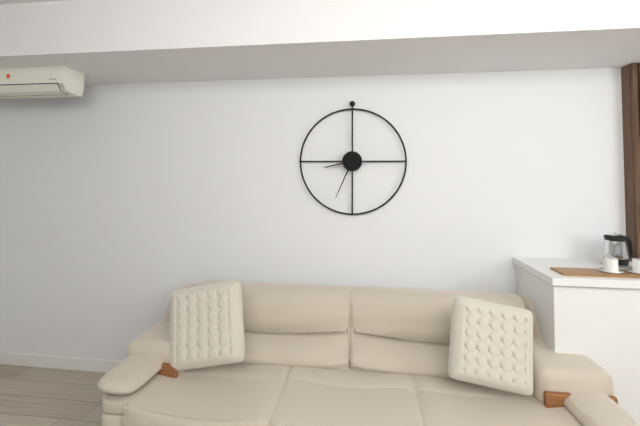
8:34
